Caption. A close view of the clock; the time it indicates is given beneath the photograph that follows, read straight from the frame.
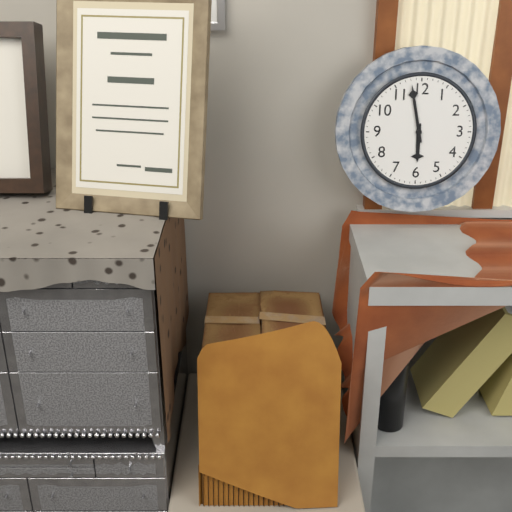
5:58
